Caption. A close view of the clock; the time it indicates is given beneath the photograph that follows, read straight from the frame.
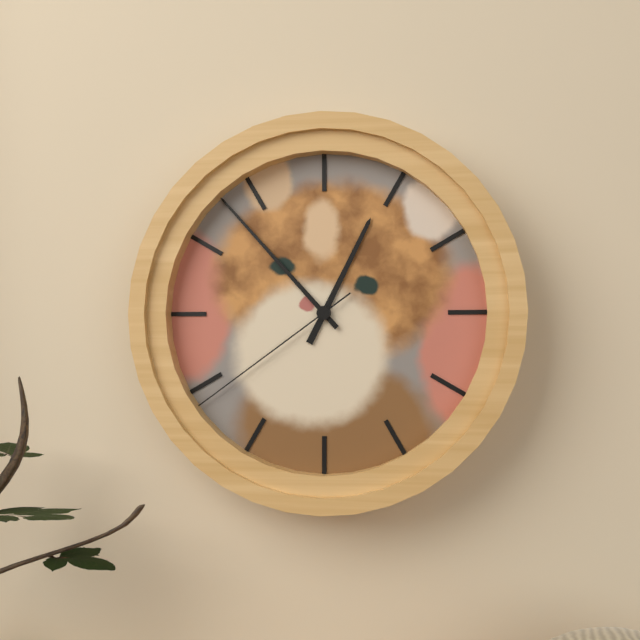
12:53:39
